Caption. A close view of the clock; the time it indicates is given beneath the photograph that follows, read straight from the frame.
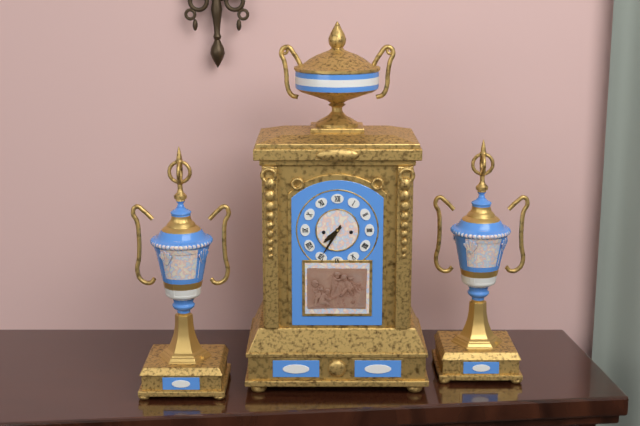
7:35
